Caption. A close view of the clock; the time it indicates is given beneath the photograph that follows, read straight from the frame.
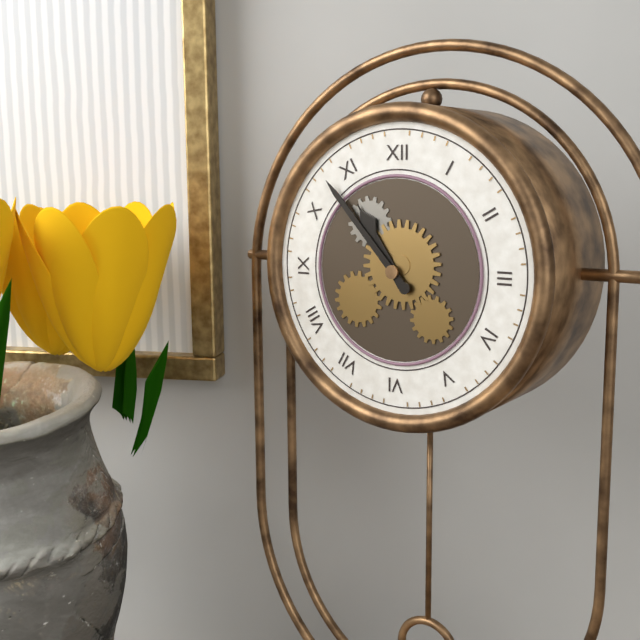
10:53
